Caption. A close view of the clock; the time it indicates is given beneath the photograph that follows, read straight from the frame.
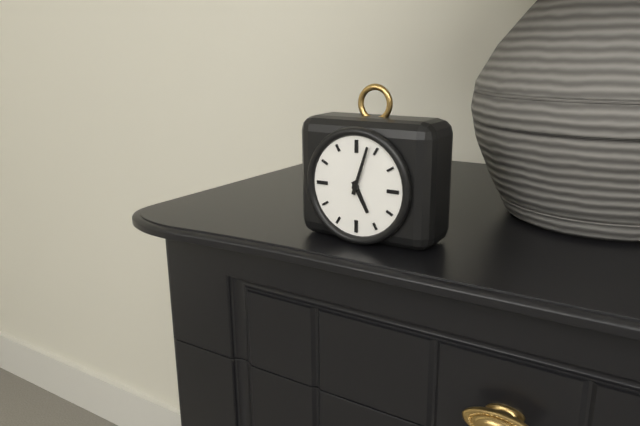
5:03
